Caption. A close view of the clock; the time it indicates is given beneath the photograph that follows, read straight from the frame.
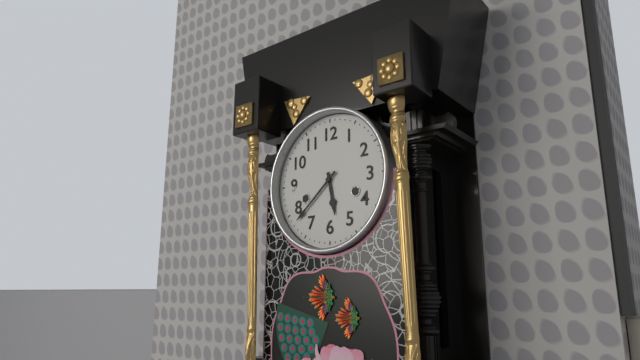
5:38
